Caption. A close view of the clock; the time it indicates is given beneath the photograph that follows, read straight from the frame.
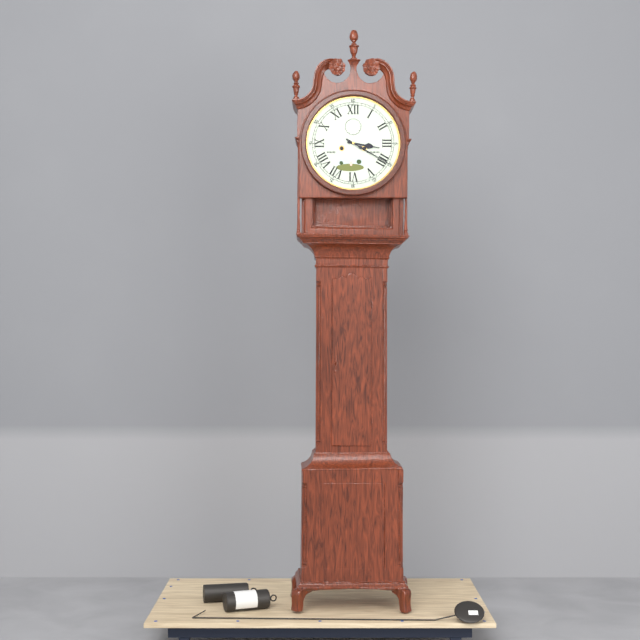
3:20
